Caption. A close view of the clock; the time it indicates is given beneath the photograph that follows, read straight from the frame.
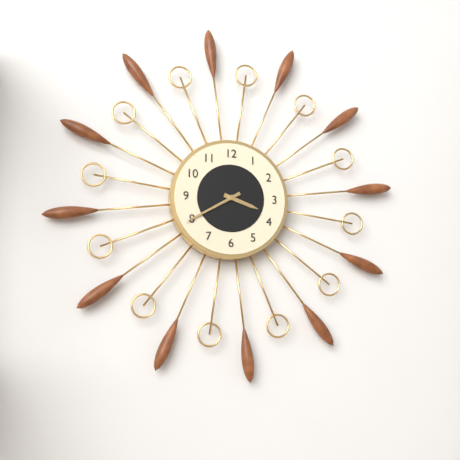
3:40
